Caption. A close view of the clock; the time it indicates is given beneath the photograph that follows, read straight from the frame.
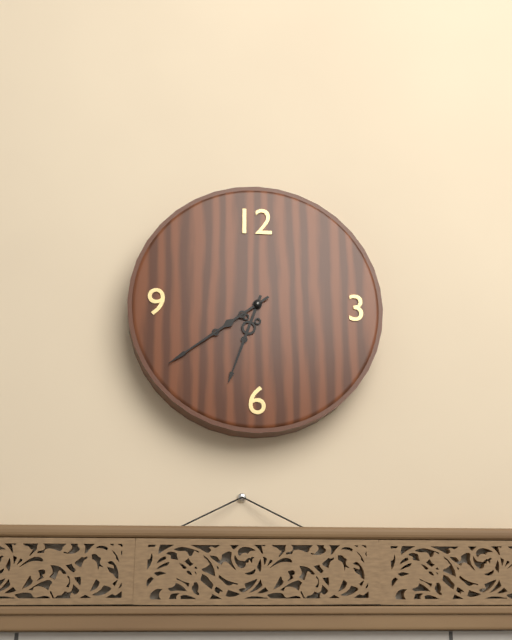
6:39
